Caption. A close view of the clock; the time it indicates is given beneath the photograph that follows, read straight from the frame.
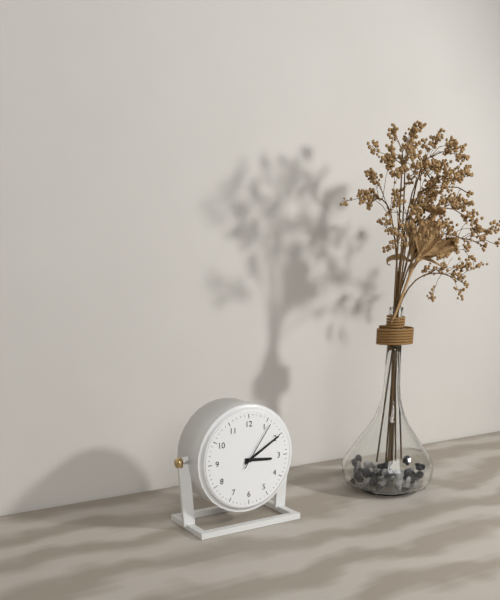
3:10:06
